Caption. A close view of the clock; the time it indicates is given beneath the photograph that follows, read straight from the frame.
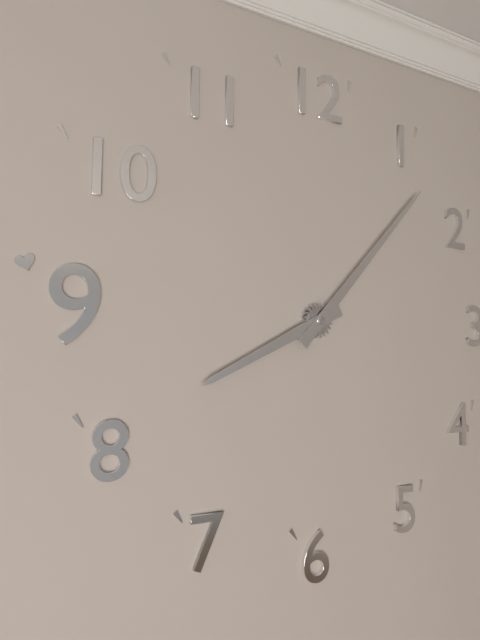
8:07
